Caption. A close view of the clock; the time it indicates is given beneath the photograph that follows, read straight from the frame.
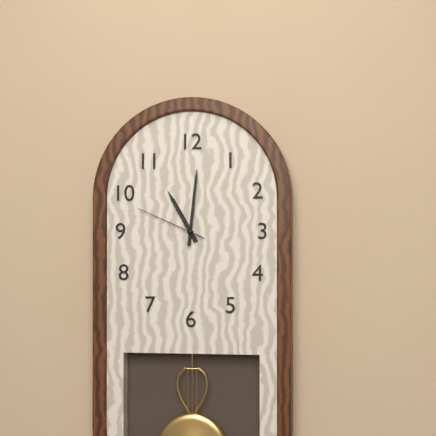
11:01:49
